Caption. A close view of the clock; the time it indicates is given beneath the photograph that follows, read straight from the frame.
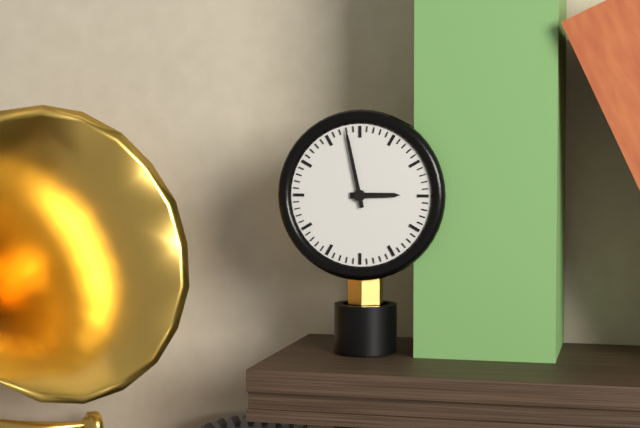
2:58
